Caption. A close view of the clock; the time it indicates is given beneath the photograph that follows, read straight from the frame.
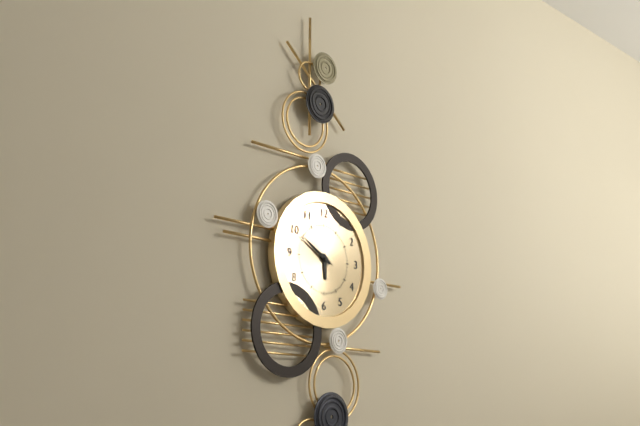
5:50
